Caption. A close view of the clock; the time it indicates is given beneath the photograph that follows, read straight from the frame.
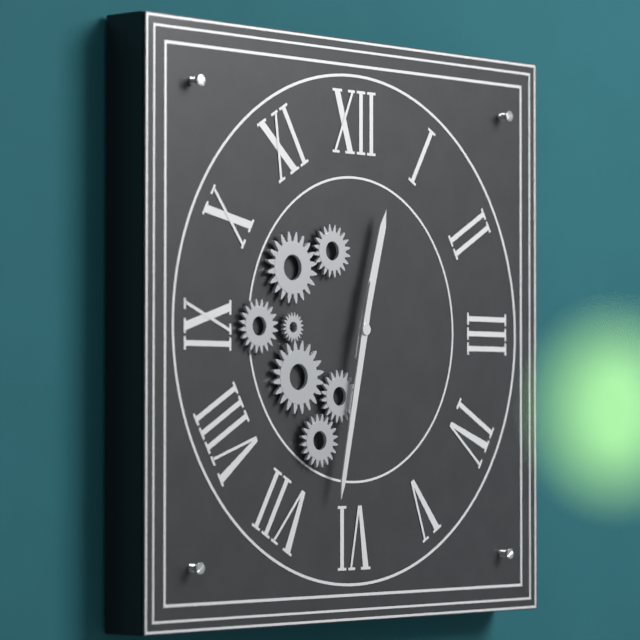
12:32
